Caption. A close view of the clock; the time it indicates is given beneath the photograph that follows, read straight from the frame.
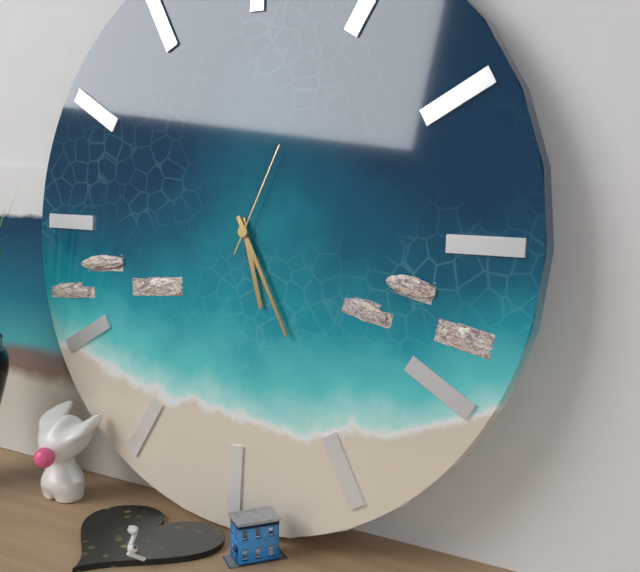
5:25:04
